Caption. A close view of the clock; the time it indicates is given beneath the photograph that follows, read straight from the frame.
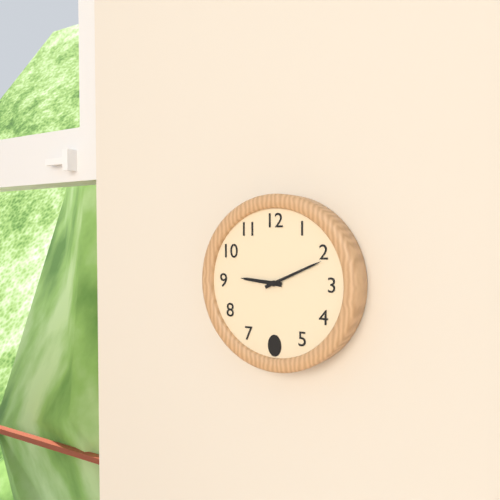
9:11
